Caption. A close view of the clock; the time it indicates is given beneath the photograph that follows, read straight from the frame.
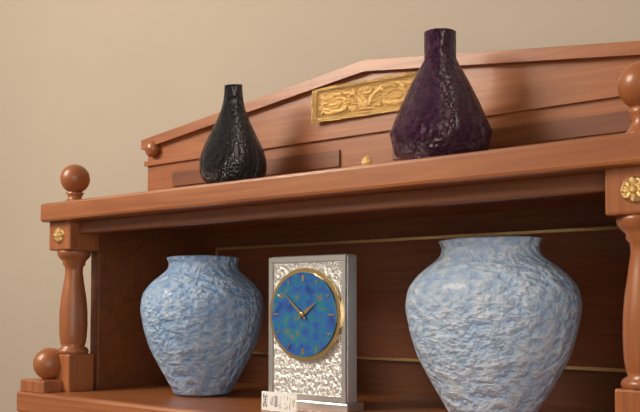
1:52
